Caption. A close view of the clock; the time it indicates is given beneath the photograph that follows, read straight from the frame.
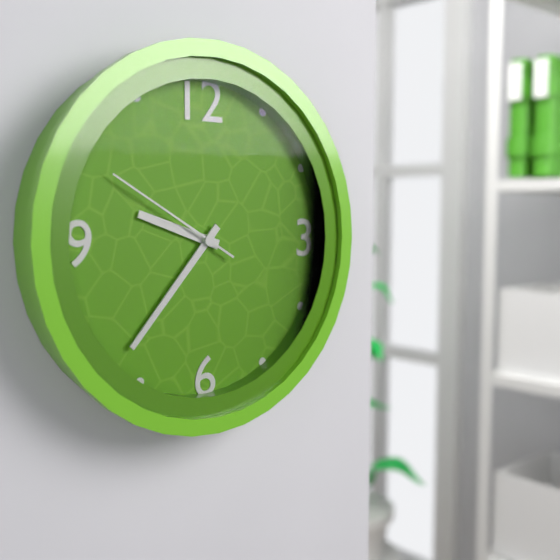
9:37:50
